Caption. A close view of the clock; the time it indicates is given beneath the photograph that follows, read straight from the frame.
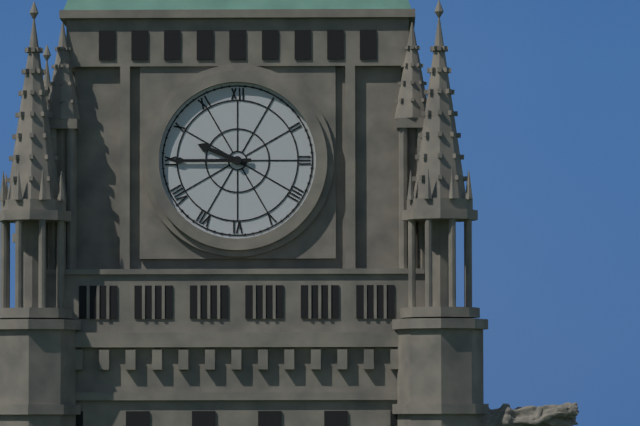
9:45
